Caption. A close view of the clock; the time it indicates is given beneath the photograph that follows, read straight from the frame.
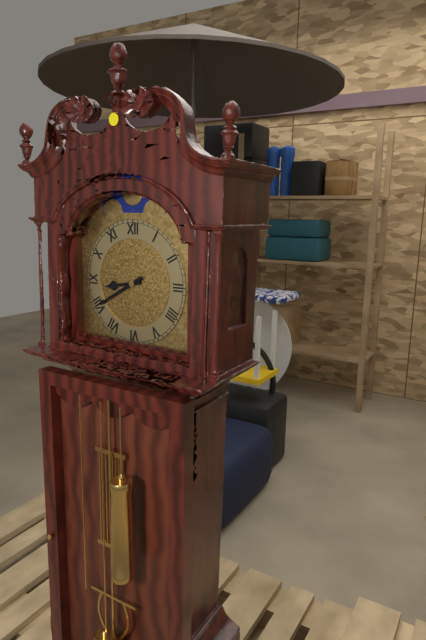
8:40
